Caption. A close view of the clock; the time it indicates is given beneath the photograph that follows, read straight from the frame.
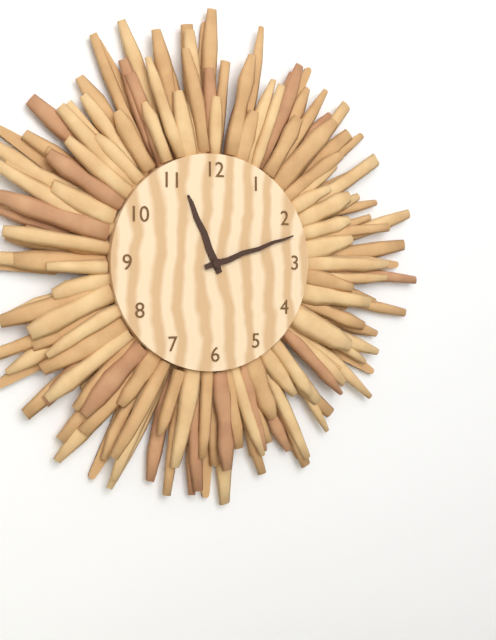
11:12
